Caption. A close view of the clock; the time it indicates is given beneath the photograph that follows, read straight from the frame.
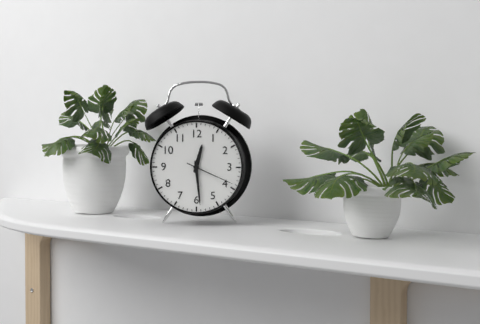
12:29:19
